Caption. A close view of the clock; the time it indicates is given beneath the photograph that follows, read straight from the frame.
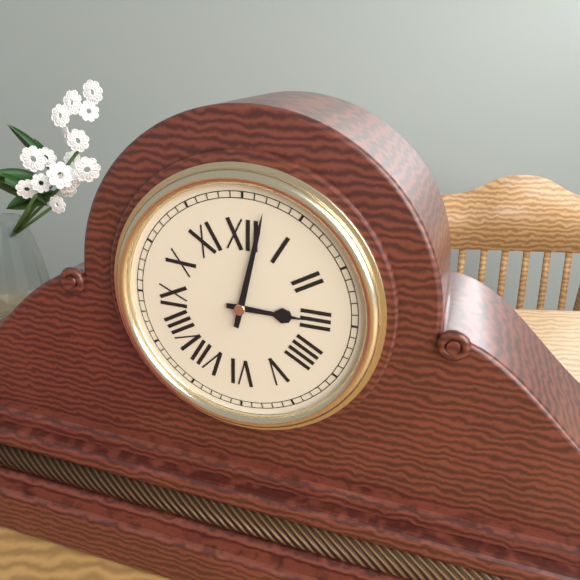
3:02
